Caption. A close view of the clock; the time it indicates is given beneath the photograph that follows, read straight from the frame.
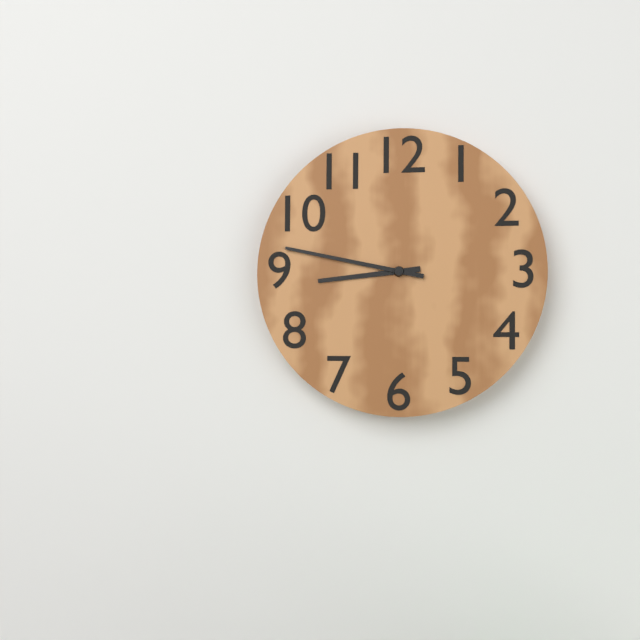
8:47
